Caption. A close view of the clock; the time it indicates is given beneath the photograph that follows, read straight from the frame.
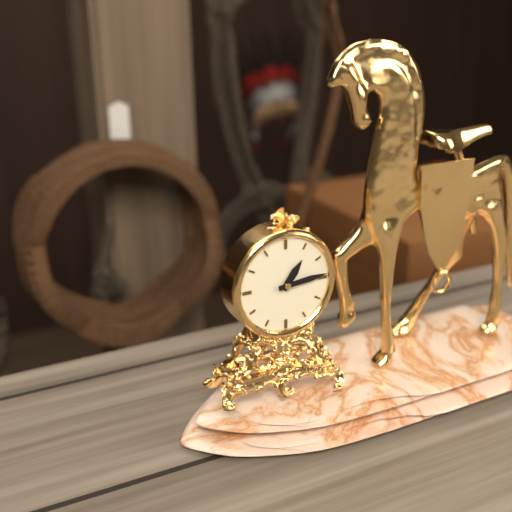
1:14
